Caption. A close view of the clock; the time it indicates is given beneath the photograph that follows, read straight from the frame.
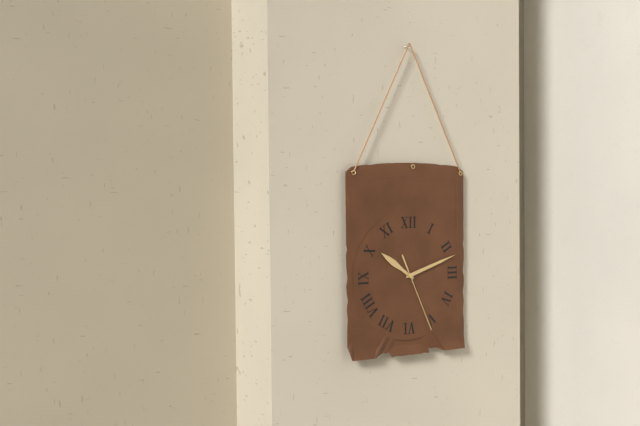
10:12:26
